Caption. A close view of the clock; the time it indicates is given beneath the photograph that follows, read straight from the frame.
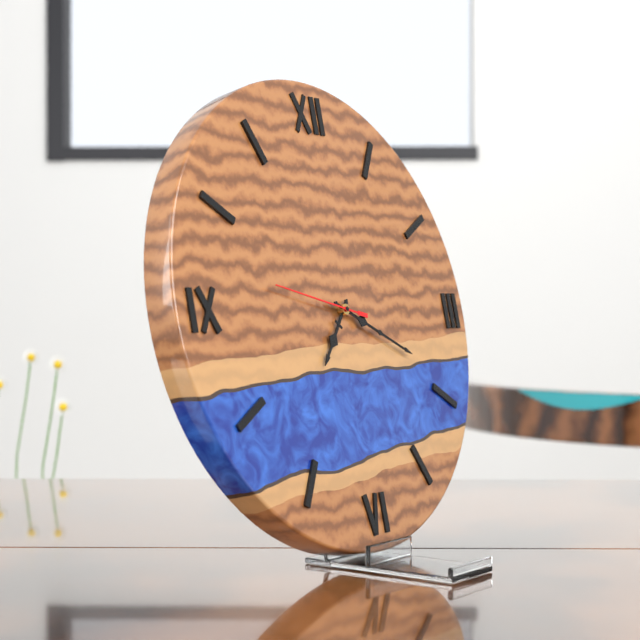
7:19:47
